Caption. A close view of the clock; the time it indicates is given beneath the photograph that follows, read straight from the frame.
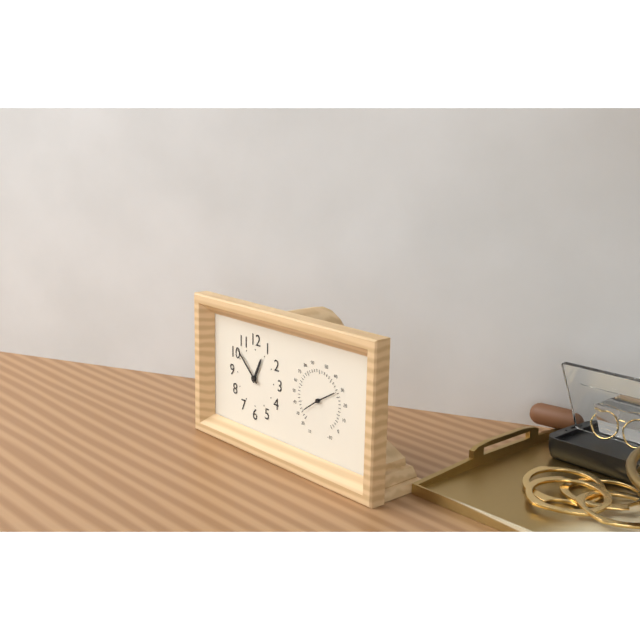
12:52
